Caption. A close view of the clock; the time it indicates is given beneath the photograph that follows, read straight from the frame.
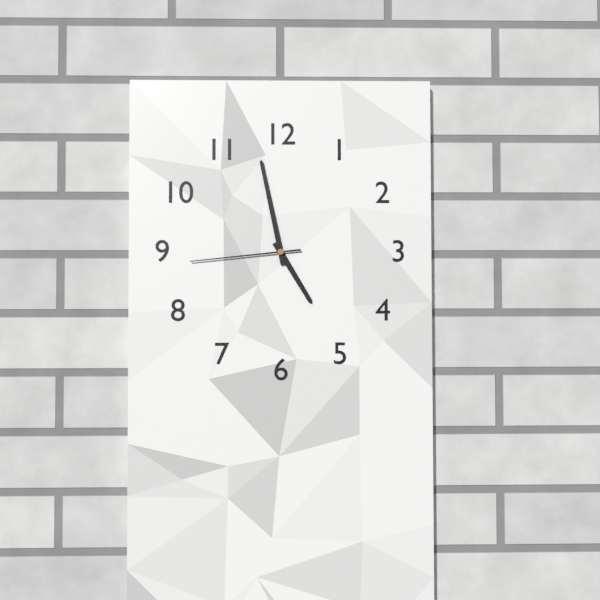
4:58:44
